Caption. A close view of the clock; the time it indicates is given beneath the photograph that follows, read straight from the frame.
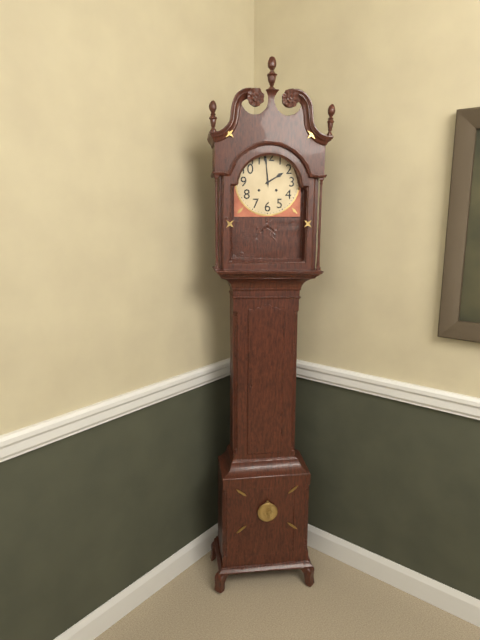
1:59
